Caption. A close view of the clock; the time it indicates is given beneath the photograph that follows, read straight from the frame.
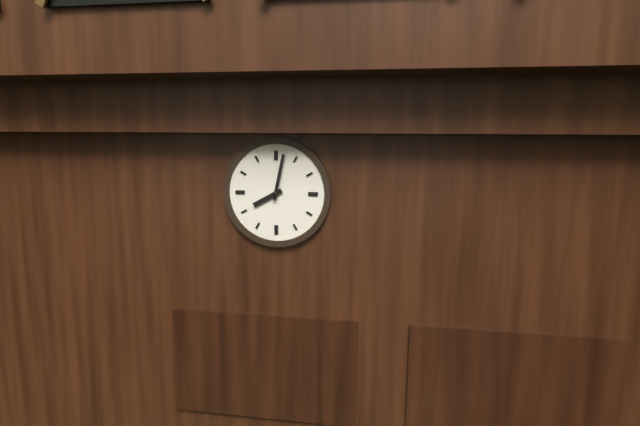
8:02
